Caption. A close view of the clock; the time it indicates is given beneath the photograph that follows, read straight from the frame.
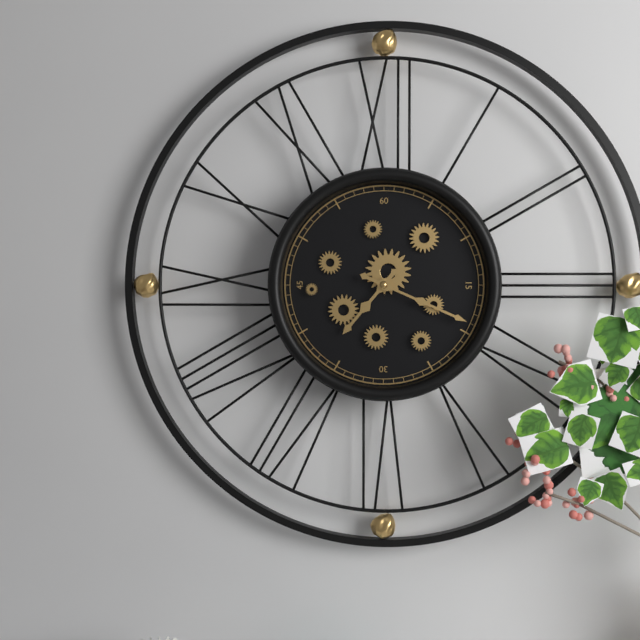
7:19
